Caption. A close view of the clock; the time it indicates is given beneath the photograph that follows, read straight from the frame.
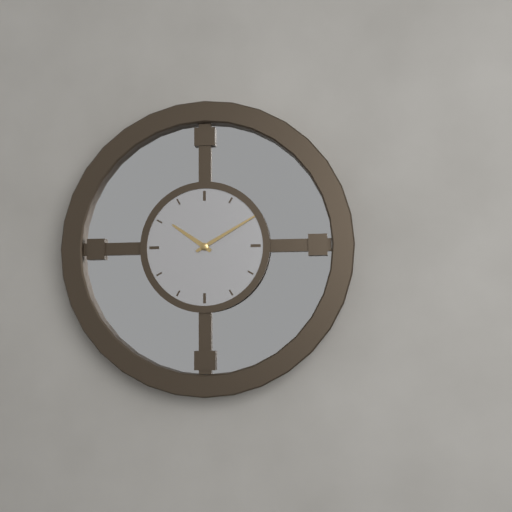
10:10
